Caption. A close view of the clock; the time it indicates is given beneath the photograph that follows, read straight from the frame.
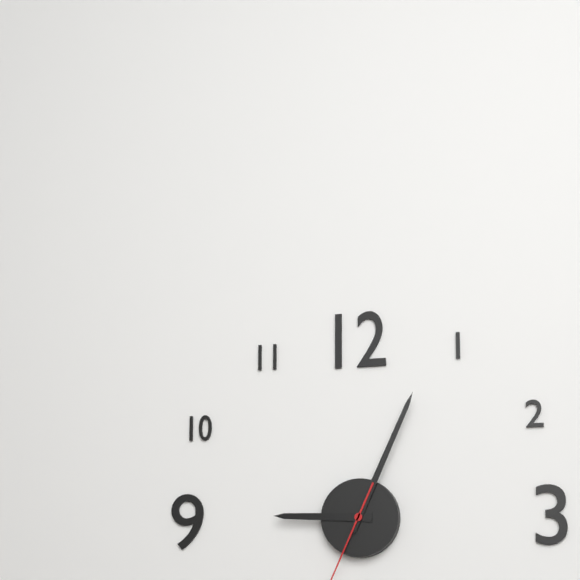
9:04
